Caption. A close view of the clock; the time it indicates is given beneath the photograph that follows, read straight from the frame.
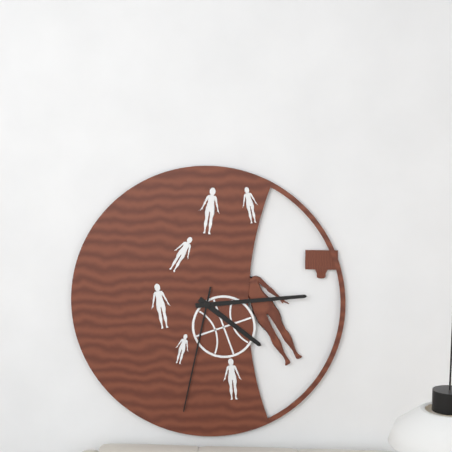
4:14:32
